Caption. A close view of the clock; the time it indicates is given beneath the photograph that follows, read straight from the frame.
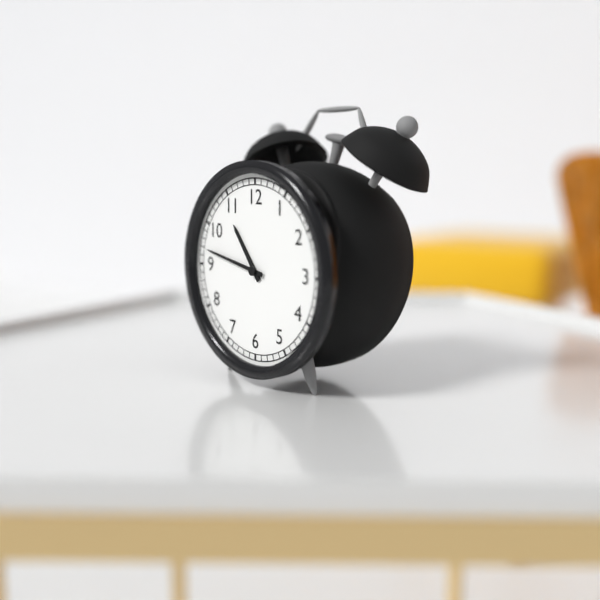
10:47
